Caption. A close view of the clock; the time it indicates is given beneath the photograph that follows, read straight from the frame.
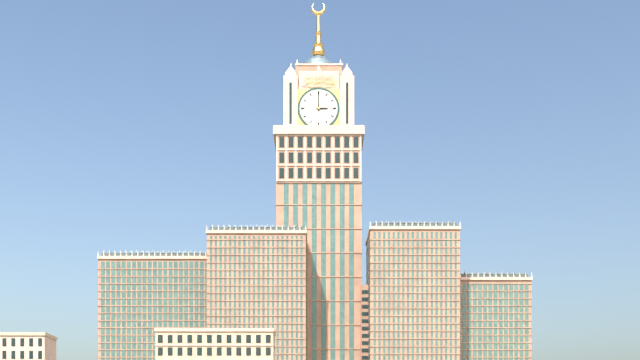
3:00
